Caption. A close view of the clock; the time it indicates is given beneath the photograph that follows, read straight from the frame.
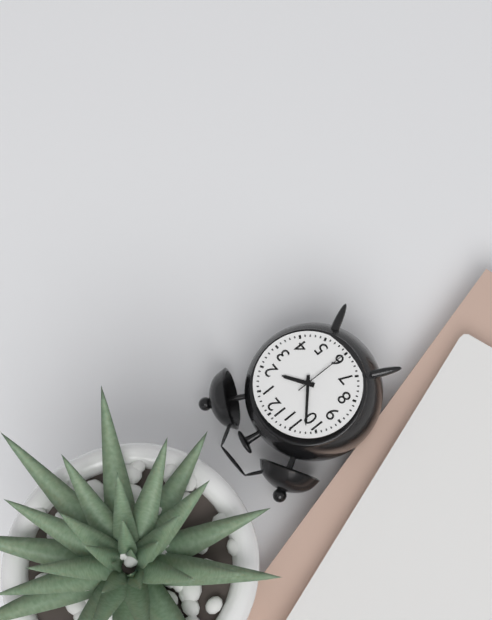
1:52:30
